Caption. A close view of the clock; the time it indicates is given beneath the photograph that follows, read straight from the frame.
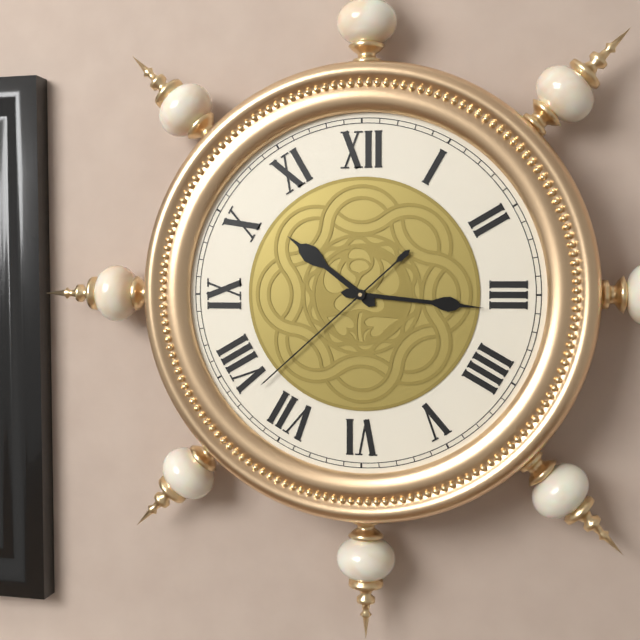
10:16:38
